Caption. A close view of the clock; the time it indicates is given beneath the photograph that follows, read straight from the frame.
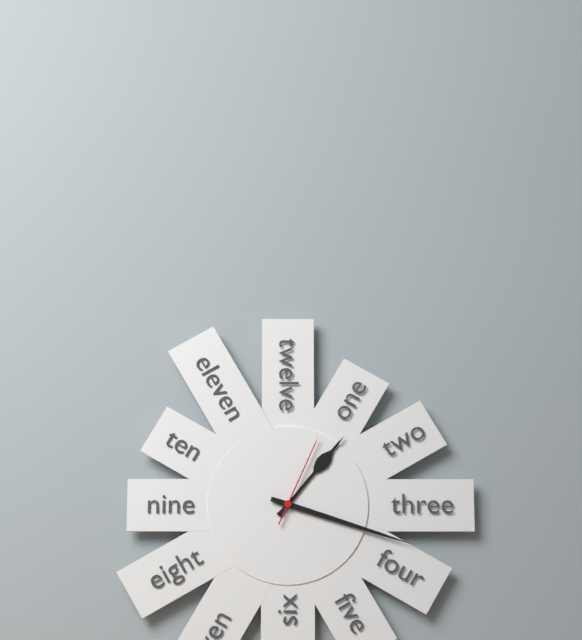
1:18:04
